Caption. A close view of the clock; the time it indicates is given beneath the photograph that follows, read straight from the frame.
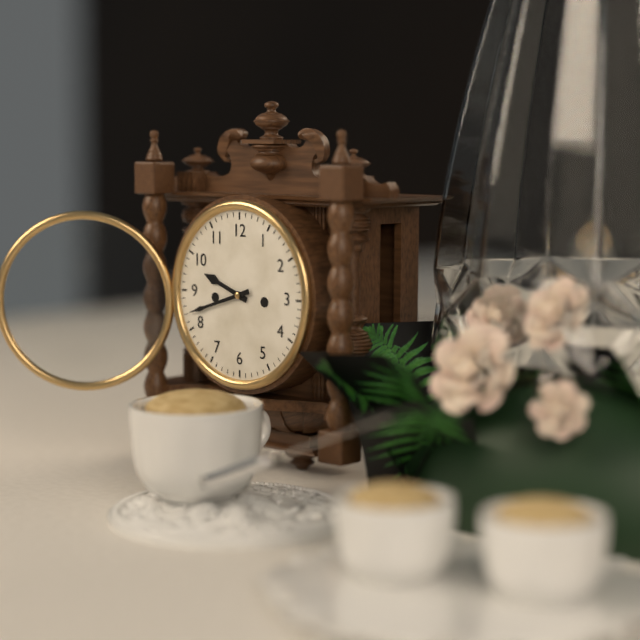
9:42
